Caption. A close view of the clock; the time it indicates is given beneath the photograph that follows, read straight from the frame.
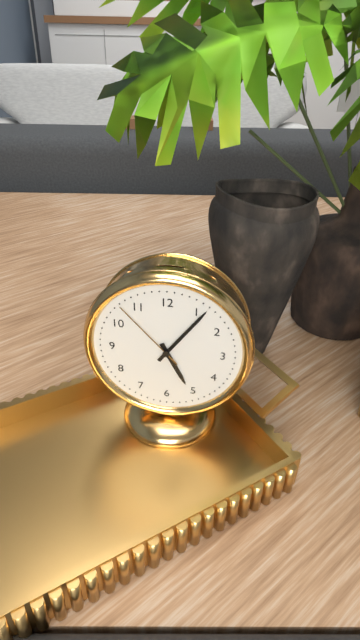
5:06:53
